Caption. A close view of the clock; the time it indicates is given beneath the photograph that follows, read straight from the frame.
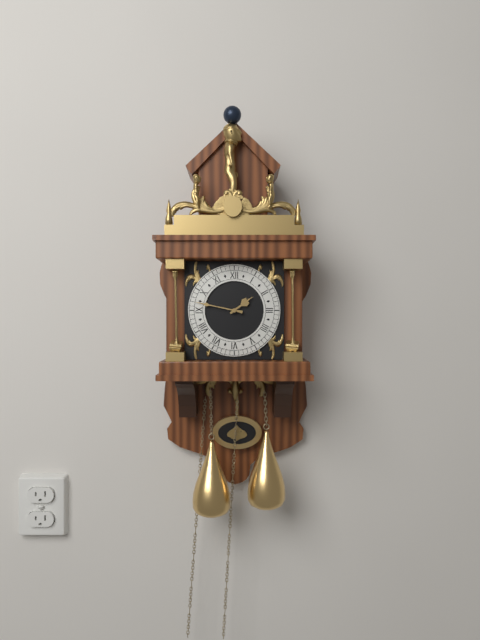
1:47
